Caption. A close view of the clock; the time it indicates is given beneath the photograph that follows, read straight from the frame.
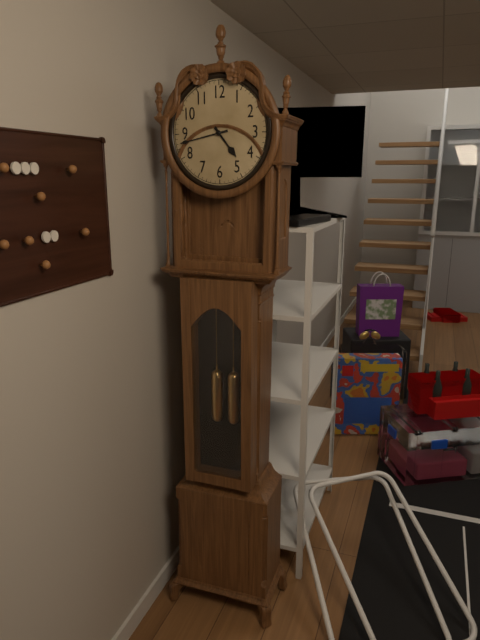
4:43
